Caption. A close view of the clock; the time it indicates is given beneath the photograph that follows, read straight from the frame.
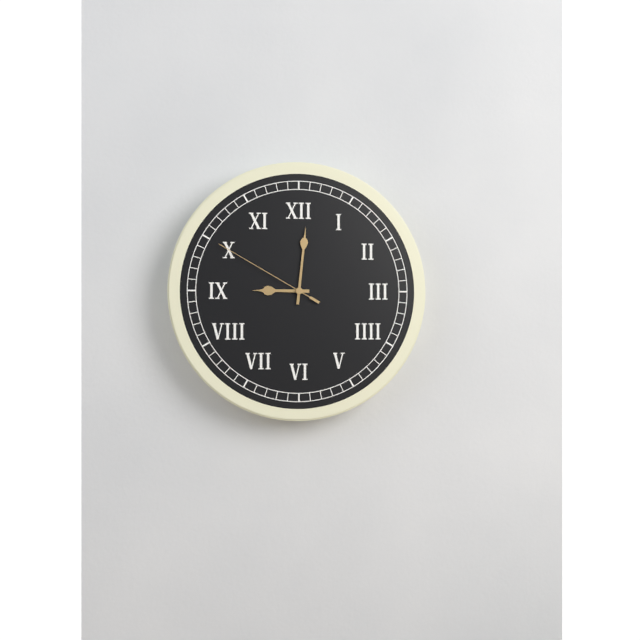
9:01:50
